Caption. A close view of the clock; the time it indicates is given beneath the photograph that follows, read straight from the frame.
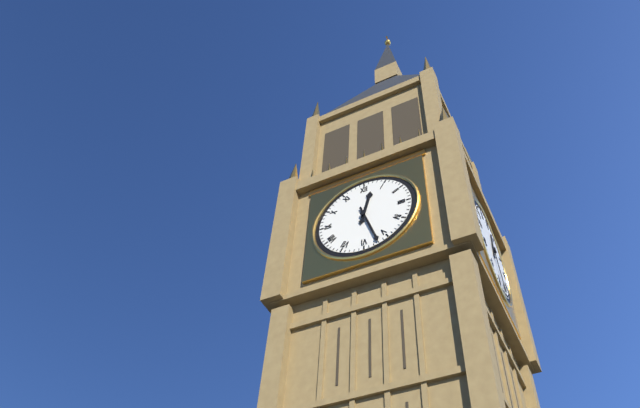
12:27
